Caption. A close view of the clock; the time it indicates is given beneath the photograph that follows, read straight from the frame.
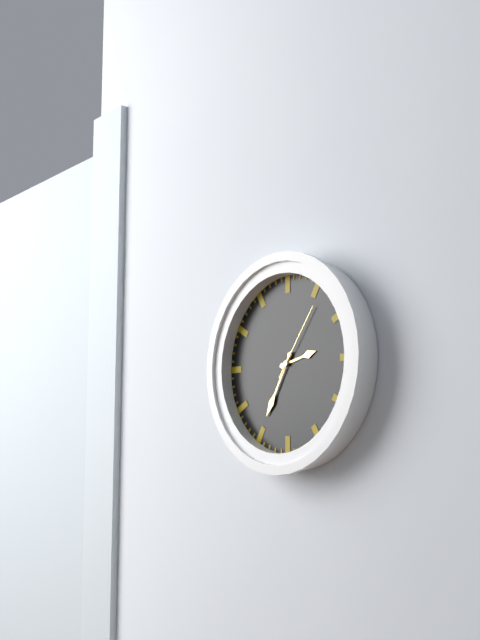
2:35:06
